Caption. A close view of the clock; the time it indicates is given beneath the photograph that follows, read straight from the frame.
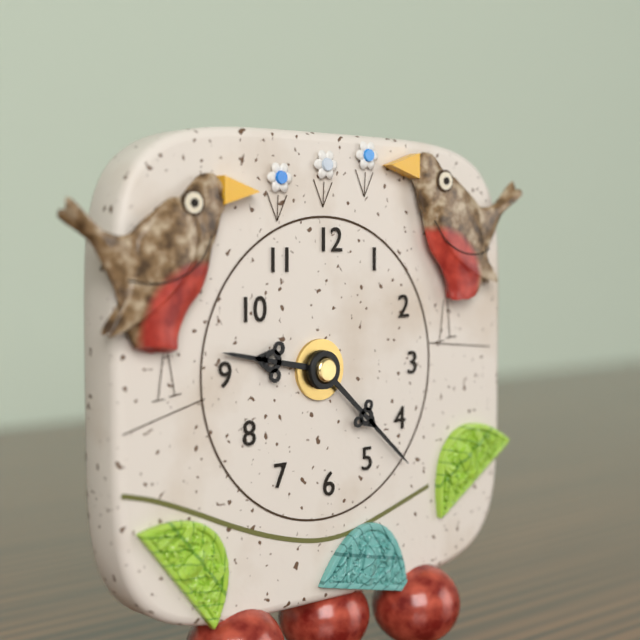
9:22
